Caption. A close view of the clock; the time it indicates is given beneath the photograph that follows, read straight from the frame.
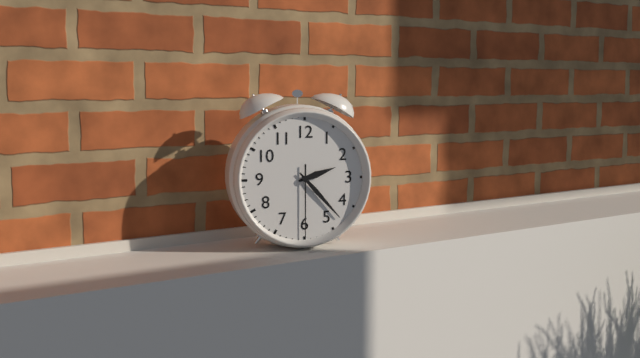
2:23:30
